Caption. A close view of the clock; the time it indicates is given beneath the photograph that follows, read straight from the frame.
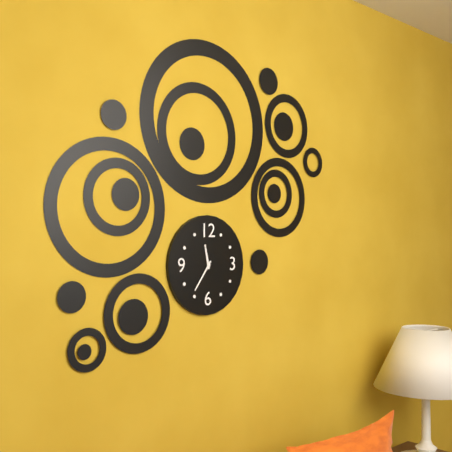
11:36
